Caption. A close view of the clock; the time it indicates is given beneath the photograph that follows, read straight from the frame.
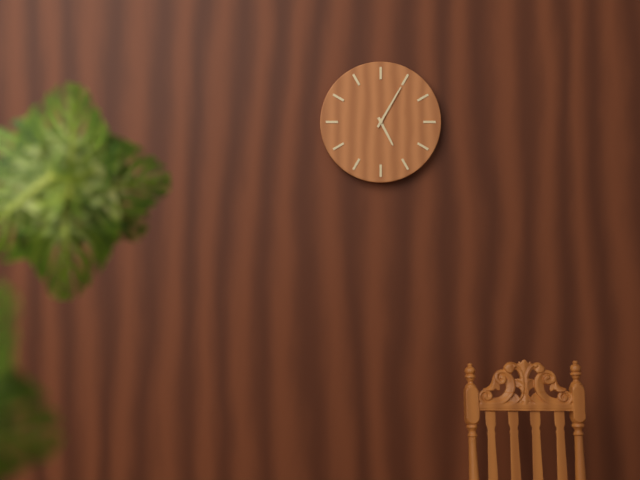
5:05
